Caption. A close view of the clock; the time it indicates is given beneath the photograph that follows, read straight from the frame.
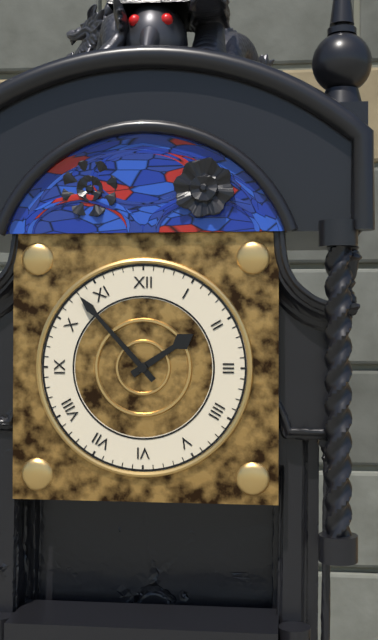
1:53
